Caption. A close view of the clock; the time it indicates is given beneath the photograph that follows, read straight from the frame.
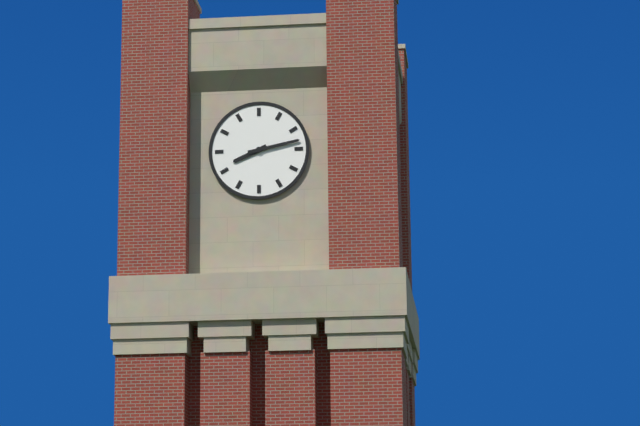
8:13
